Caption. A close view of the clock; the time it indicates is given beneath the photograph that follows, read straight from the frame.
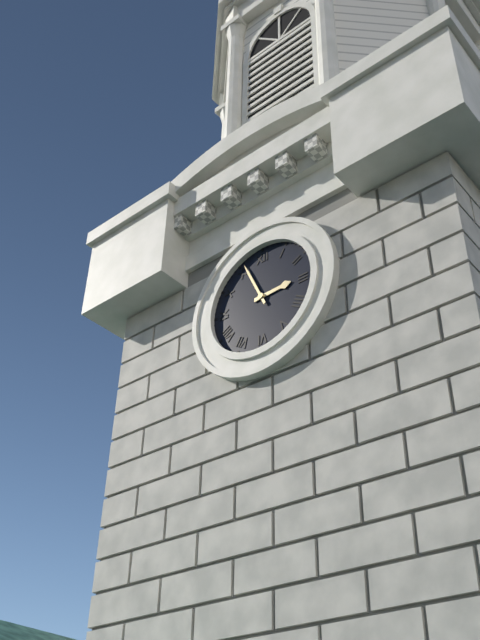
2:56
